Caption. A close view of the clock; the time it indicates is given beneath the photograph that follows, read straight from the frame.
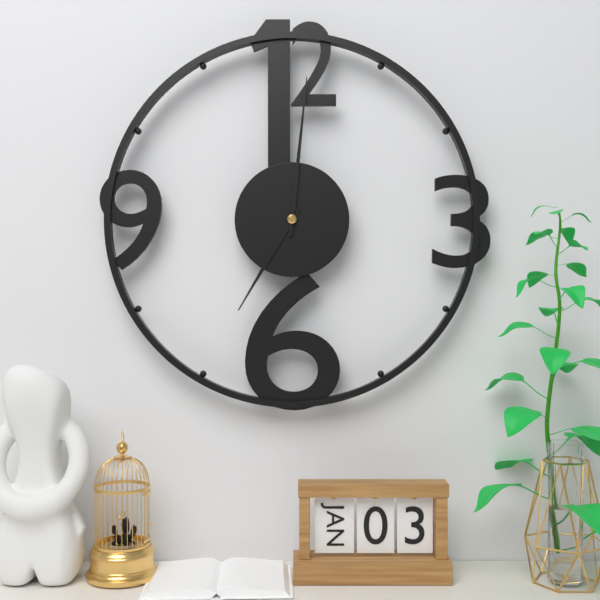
7:01
